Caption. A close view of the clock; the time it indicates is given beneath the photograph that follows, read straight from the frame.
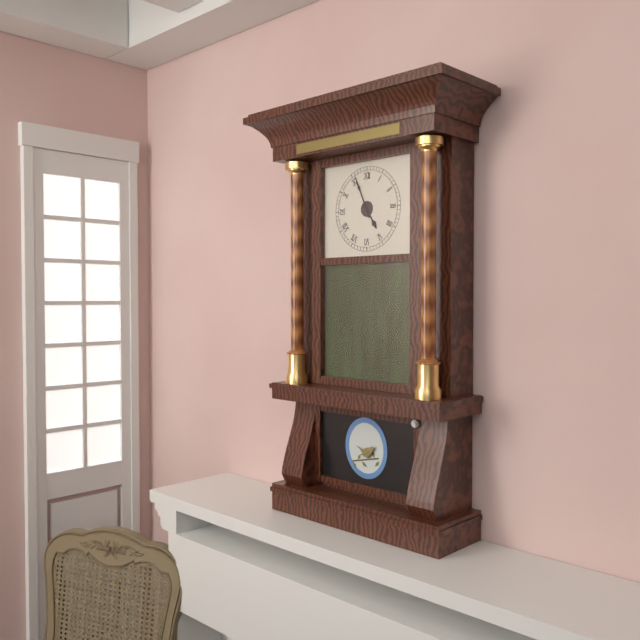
4:56
